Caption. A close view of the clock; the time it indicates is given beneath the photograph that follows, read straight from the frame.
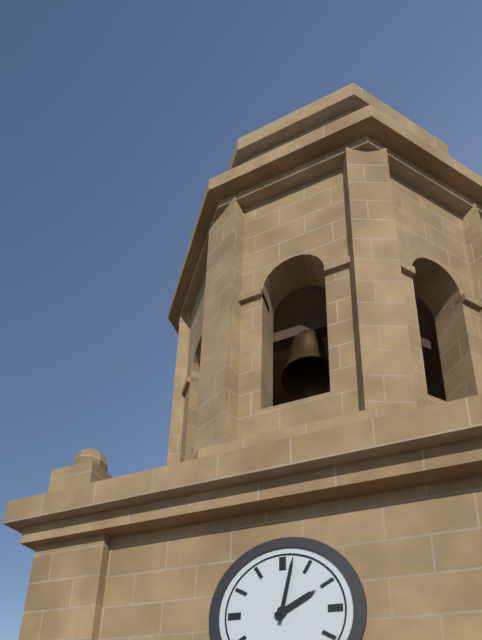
2:02
